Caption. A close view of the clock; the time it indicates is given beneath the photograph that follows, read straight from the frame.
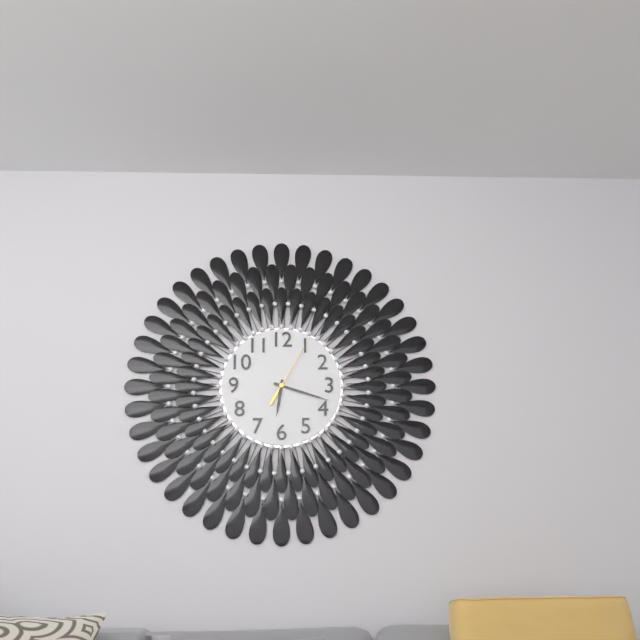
6:18:05
